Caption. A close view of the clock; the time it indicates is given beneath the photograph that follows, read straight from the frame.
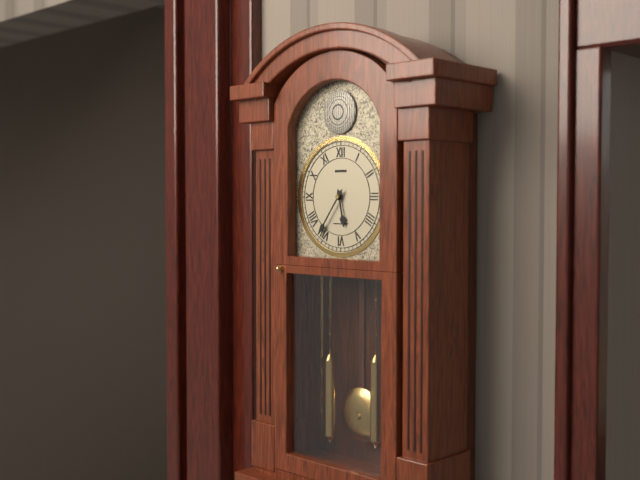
5:36
